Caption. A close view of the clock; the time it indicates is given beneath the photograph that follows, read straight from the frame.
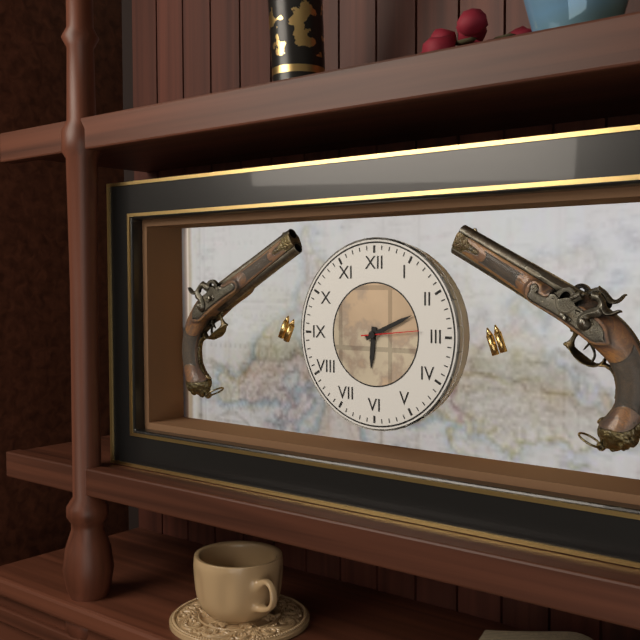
6:11:14
